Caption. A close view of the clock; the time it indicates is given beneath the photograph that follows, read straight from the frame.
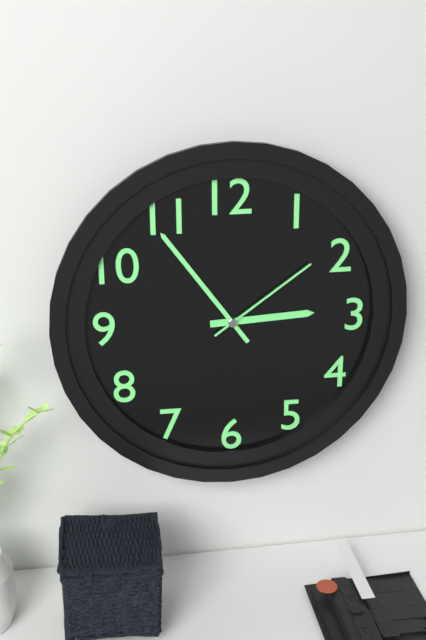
2:54:09
